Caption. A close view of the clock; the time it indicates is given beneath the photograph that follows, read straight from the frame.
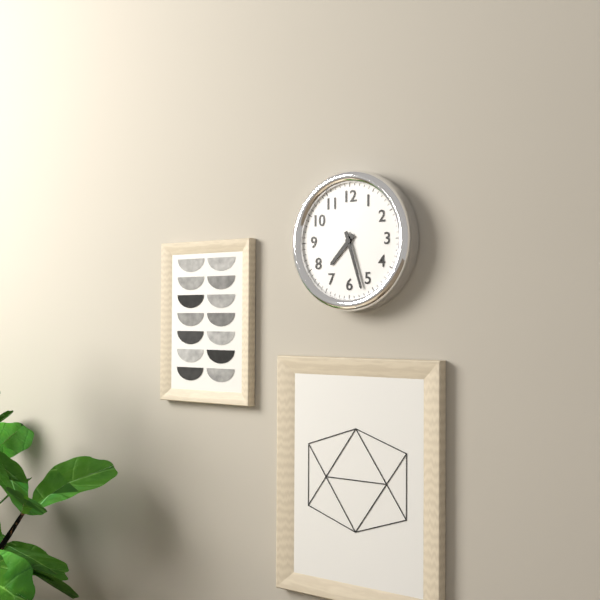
7:27
